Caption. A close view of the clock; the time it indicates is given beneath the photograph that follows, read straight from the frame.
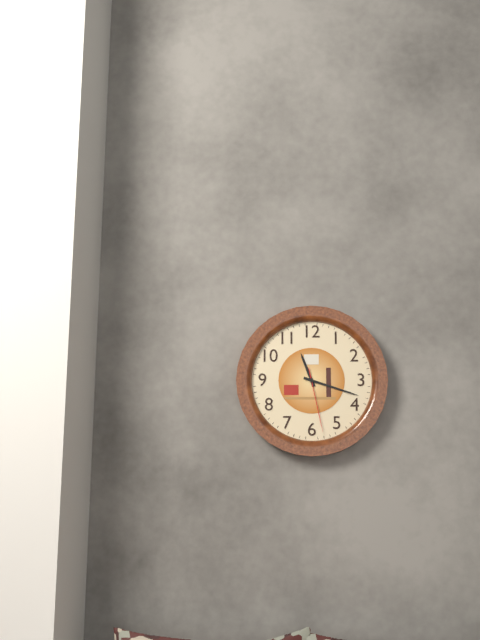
11:18:28
